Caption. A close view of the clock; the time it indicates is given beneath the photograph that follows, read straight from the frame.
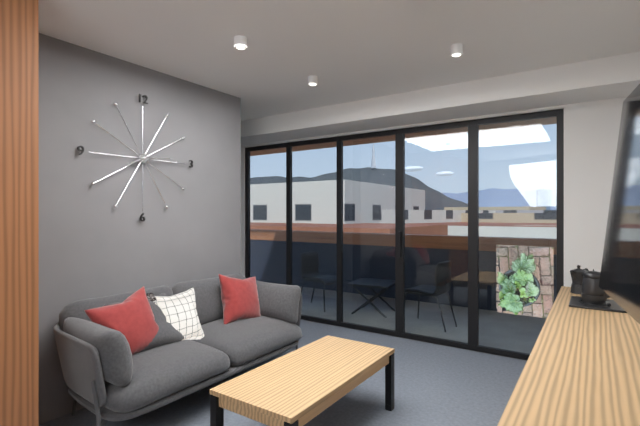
8:14
